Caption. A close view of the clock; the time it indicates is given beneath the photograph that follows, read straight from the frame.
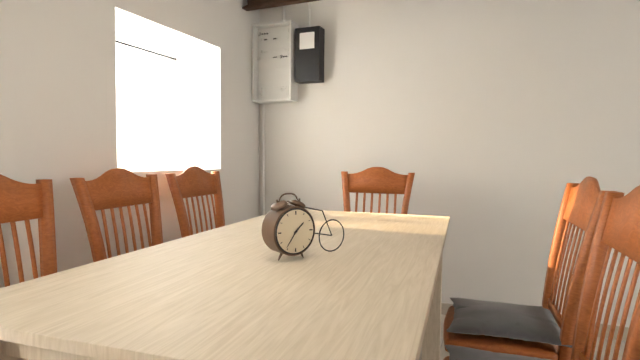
1:36
